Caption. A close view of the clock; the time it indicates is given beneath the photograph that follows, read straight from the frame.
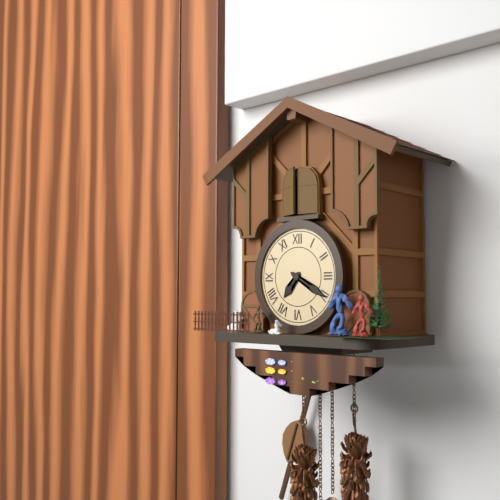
7:20
